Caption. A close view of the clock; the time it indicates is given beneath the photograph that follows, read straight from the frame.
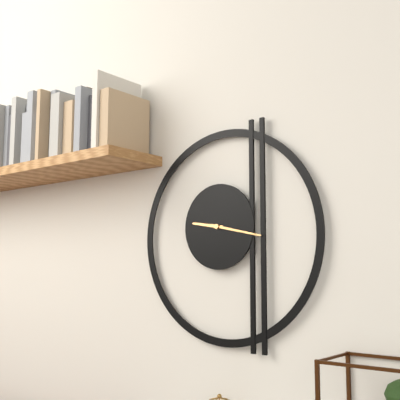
9:17
